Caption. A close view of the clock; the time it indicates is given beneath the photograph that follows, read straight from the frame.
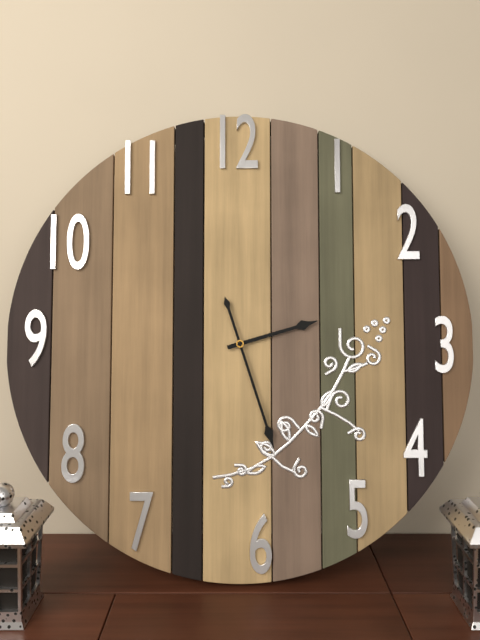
2:27
